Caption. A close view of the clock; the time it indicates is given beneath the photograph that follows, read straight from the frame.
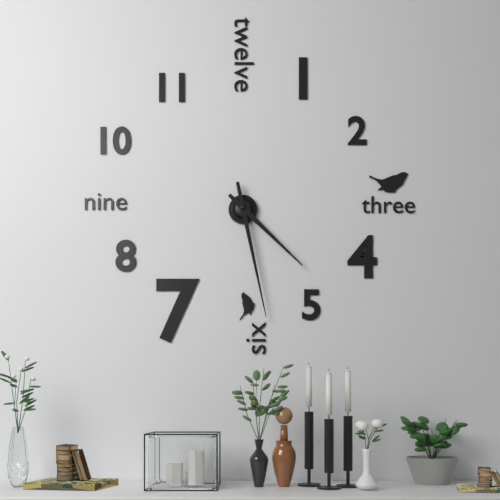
4:28
